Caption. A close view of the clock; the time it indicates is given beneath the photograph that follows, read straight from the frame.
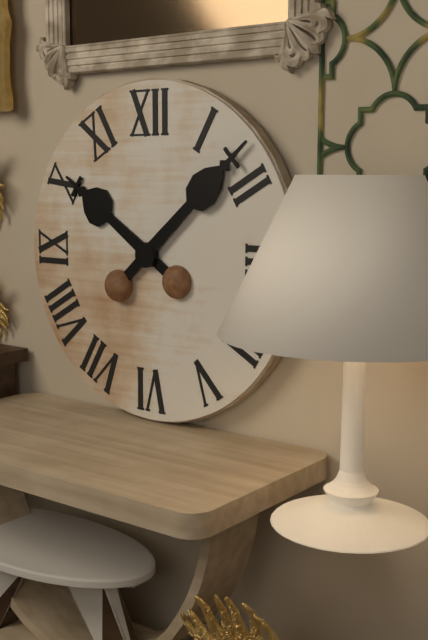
10:08
